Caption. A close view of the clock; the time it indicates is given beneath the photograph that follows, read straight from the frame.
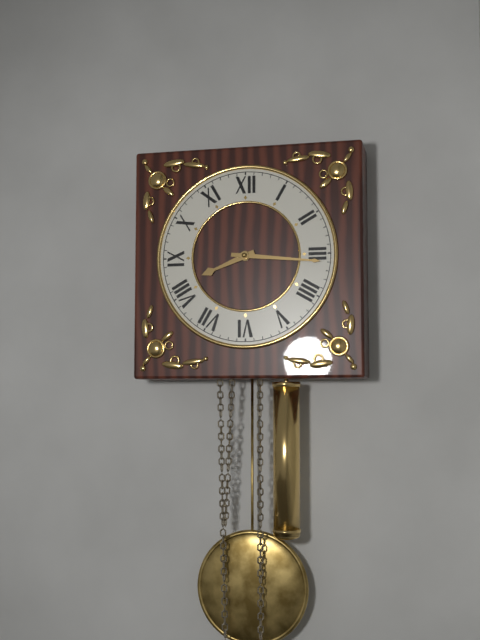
8:16
